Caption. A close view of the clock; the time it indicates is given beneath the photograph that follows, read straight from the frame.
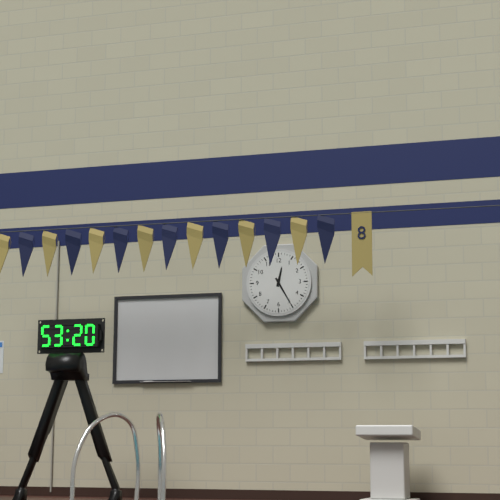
12:25
